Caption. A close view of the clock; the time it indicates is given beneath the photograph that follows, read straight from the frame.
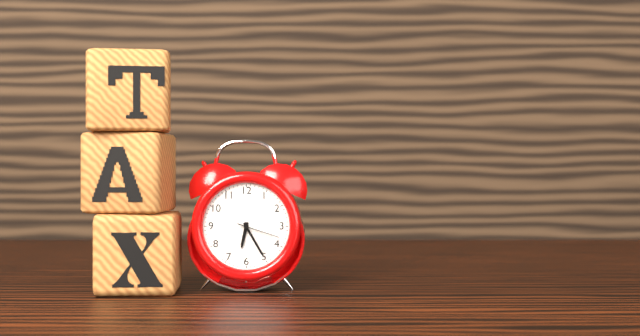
6:25
